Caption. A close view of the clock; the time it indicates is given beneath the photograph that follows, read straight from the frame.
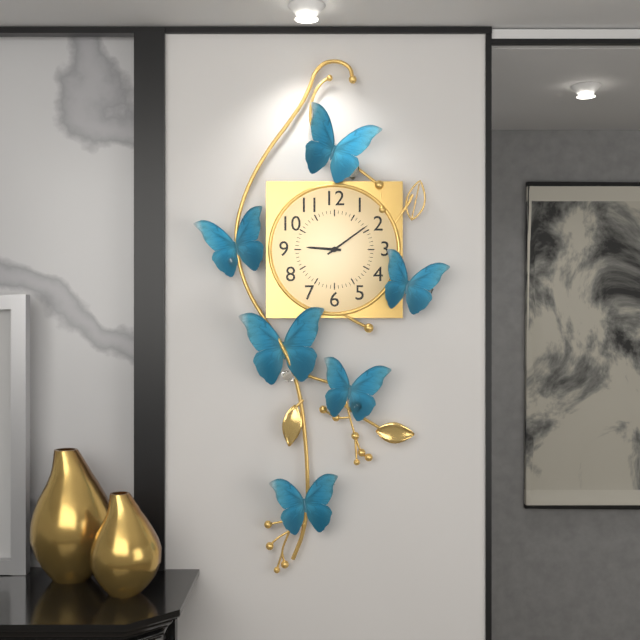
9:09
